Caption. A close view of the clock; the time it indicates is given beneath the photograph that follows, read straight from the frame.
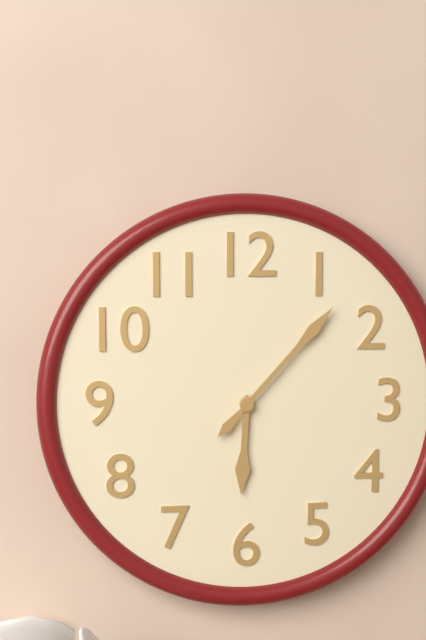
6:07
